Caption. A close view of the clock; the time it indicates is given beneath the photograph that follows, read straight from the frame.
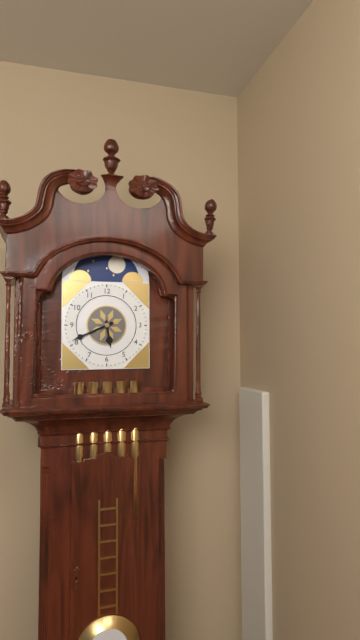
5:41
